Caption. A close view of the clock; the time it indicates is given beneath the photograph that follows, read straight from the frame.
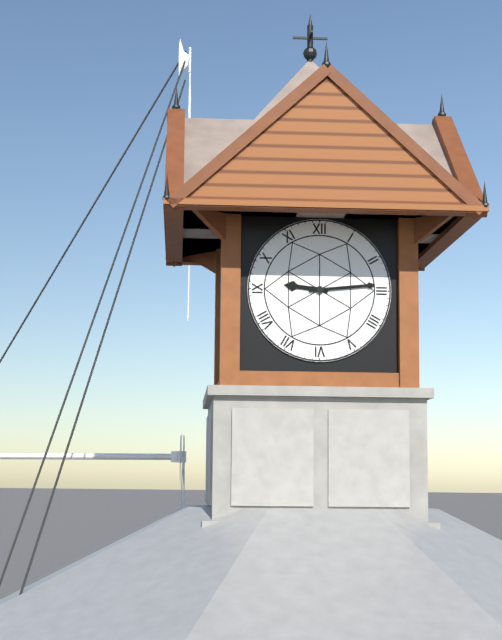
9:14
